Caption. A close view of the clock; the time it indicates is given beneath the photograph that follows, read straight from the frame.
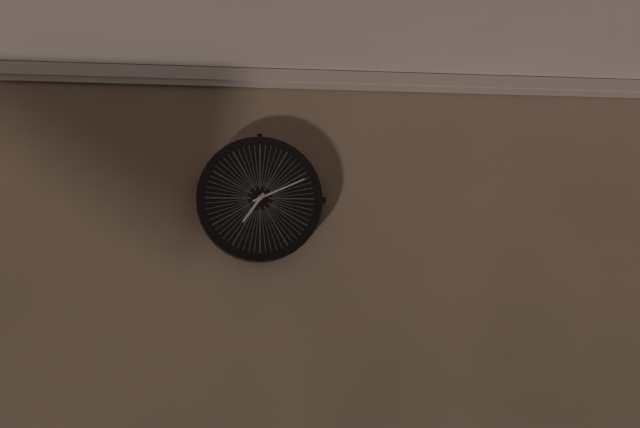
7:11
